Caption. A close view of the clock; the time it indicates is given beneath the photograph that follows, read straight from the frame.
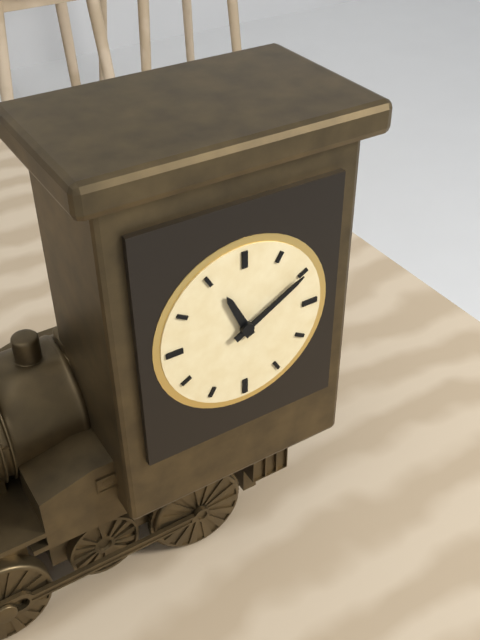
11:10
